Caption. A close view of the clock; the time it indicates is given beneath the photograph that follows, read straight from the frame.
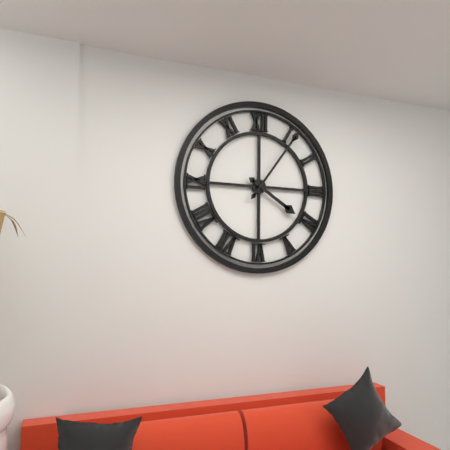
4:06
